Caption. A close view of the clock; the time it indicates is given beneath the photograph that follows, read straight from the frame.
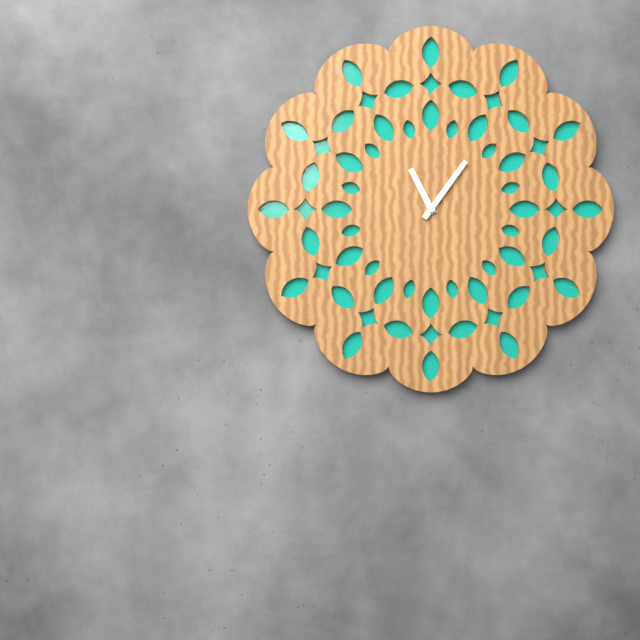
11:06
